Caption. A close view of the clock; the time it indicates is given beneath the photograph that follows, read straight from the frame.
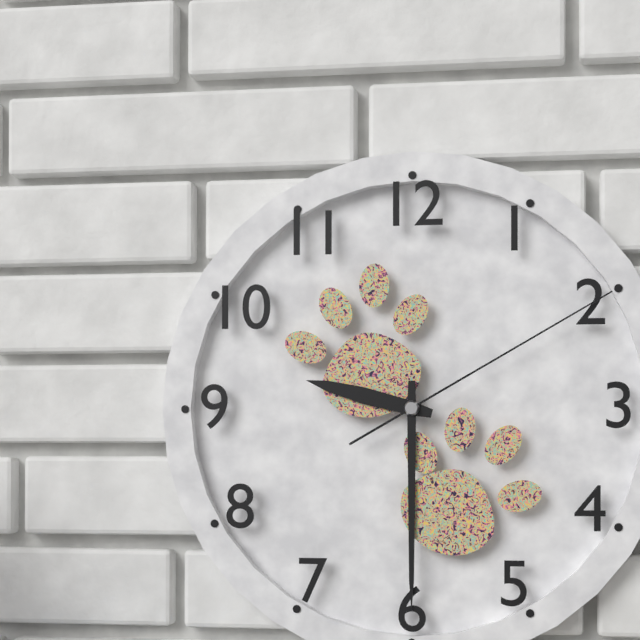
9:30:10
